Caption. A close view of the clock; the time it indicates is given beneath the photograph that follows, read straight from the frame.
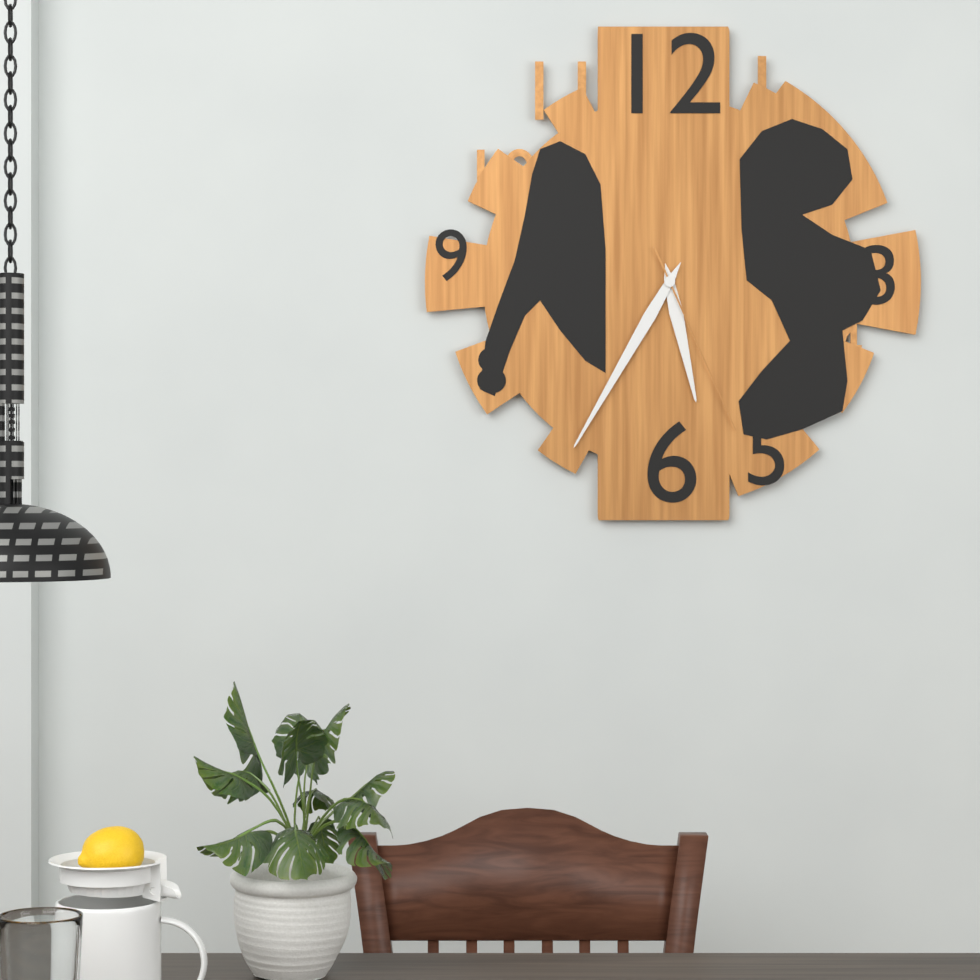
5:35:26
